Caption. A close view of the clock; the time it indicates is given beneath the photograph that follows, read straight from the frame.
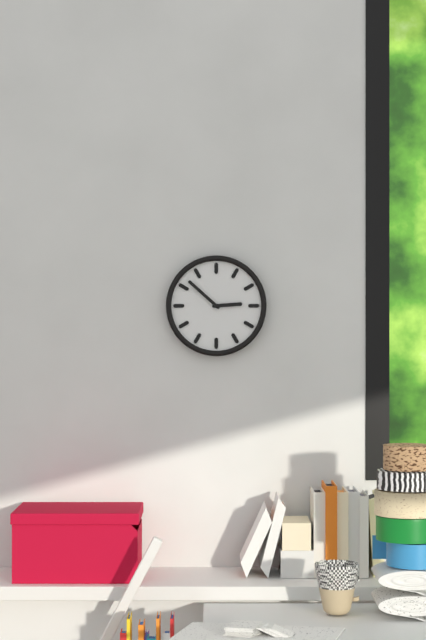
2:52
